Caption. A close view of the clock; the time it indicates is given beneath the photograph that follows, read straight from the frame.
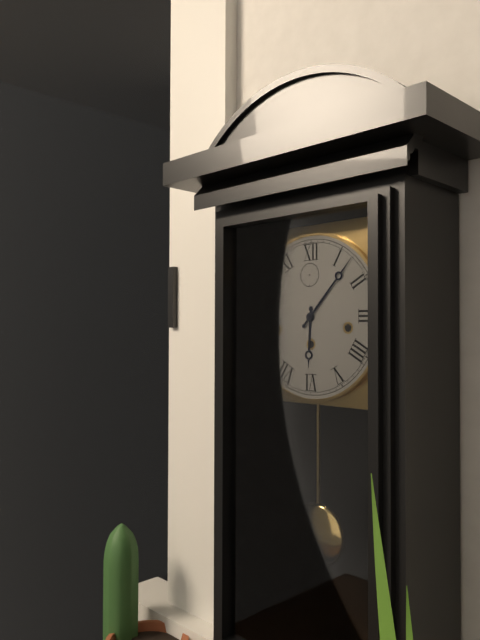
6:07
